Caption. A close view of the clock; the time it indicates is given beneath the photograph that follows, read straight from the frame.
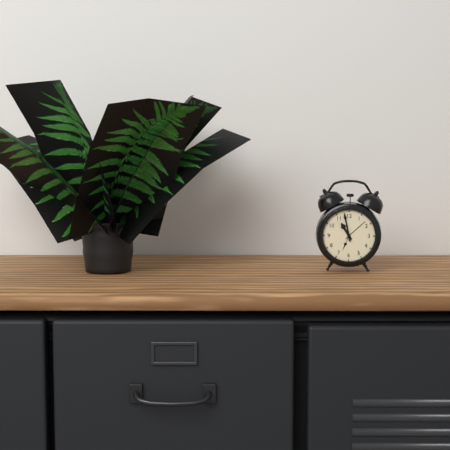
10:58
